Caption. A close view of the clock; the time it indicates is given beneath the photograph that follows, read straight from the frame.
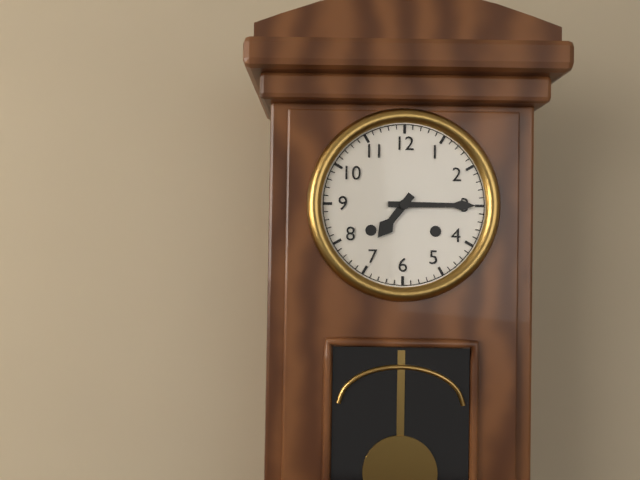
7:15
